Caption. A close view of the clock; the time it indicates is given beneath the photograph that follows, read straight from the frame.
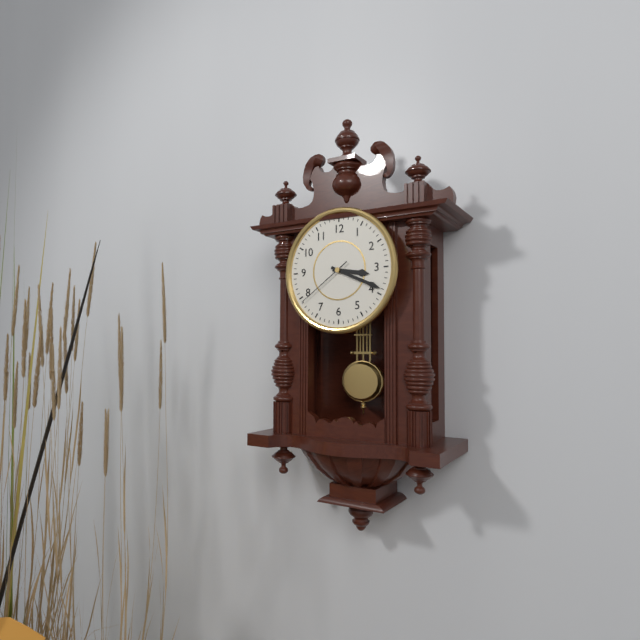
3:19:39
